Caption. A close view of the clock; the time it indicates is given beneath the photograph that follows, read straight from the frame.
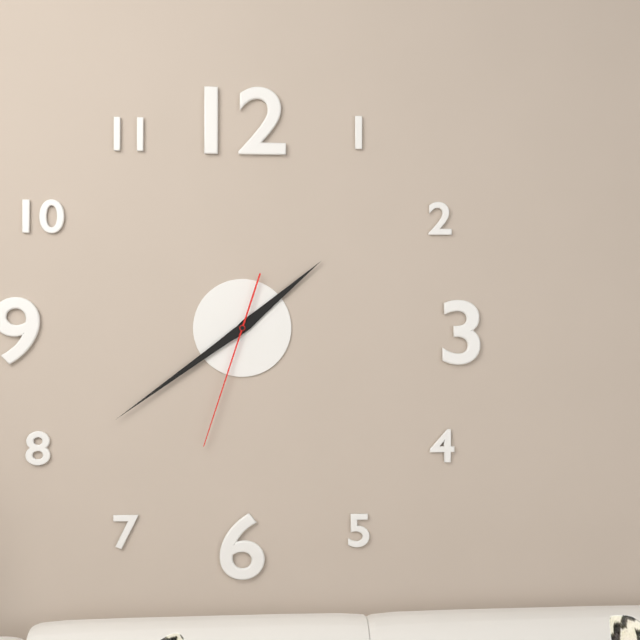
1:39:33
